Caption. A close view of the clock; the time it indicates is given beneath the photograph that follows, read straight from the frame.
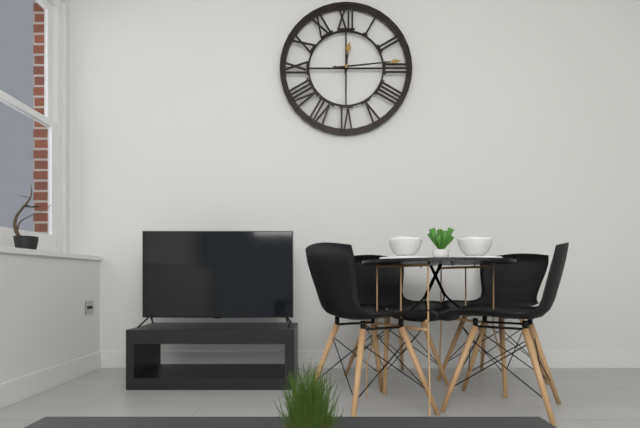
12:14
